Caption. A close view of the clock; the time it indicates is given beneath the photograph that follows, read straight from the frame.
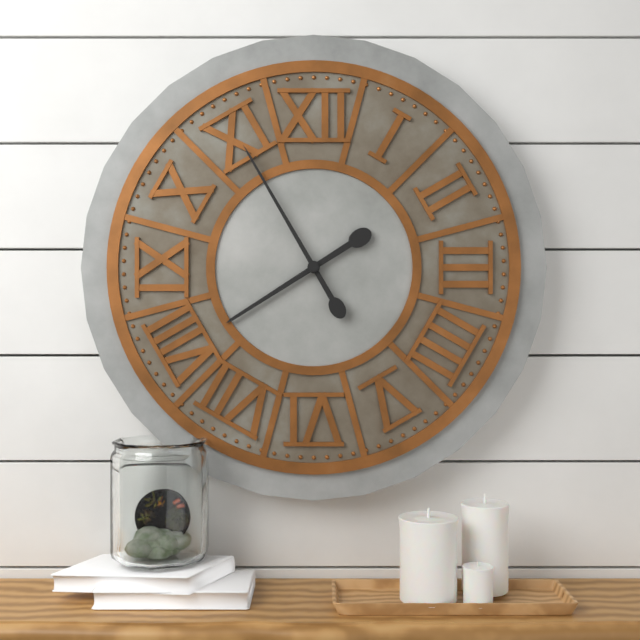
7:55
